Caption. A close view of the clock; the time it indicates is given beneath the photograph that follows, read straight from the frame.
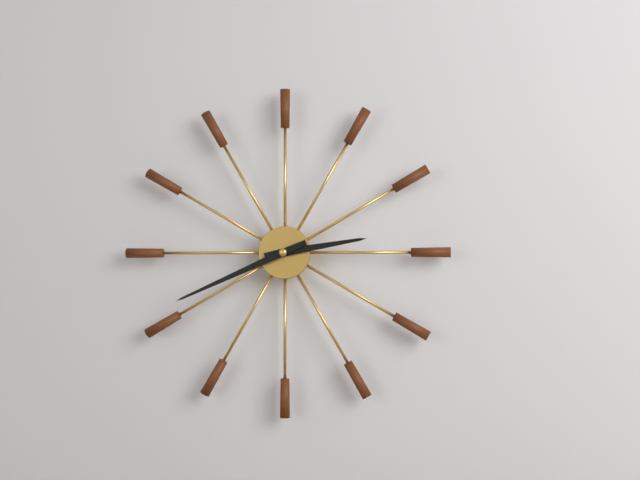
2:41
